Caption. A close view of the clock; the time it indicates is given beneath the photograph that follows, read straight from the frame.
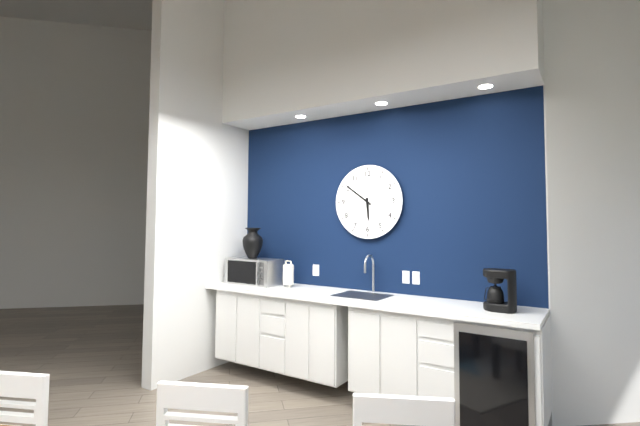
5:51
